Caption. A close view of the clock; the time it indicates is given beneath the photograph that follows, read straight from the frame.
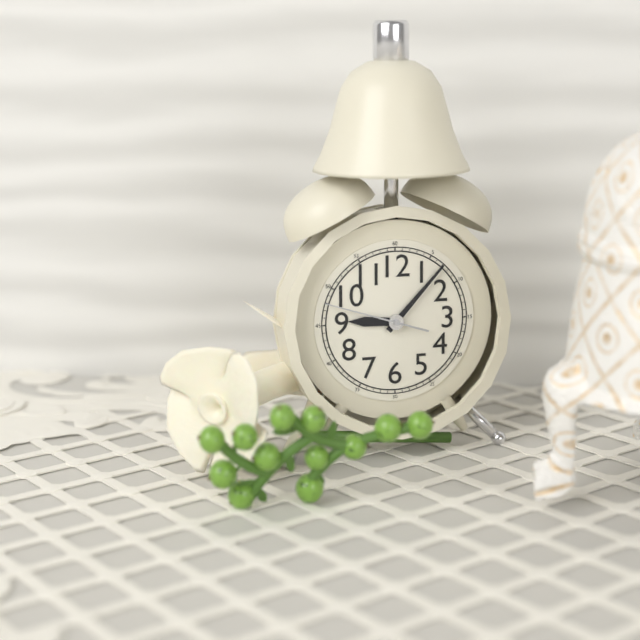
9:07:48
